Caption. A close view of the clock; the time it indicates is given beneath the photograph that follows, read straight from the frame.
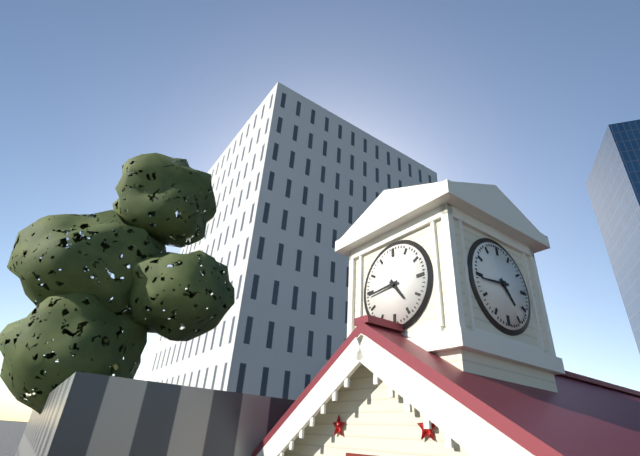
4:44
